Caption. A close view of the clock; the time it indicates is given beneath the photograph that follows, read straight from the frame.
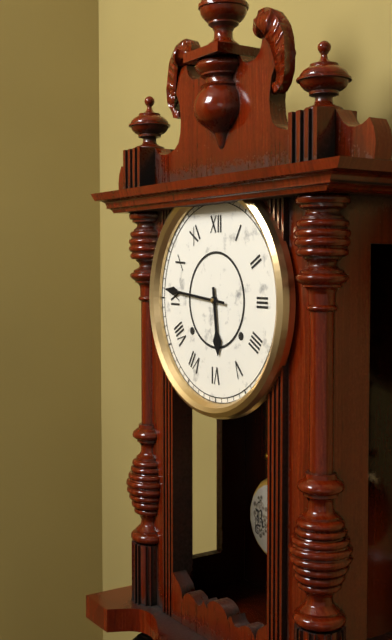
5:46
